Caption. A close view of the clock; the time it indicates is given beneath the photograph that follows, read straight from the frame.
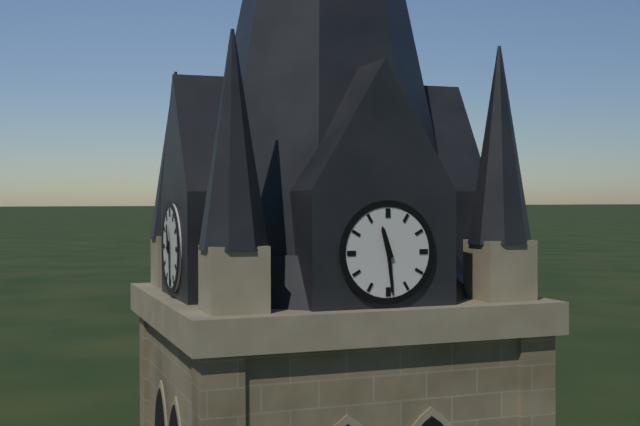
11:29
